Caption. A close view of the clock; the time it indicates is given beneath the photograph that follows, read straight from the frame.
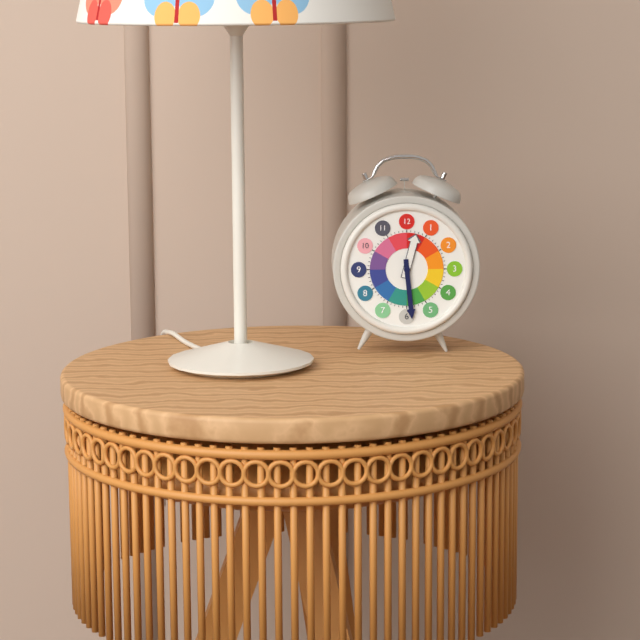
12:29
